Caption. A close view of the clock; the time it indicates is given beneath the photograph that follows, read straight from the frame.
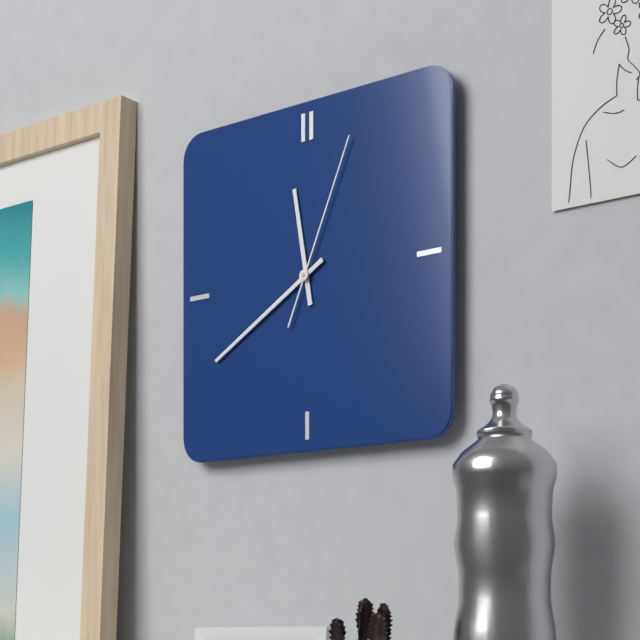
11:40:04
